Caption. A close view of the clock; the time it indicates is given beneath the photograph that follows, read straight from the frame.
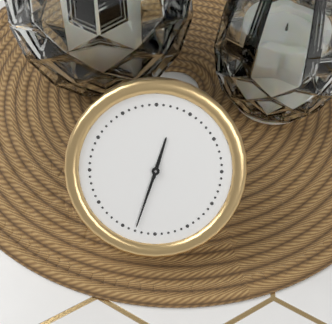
12:33
